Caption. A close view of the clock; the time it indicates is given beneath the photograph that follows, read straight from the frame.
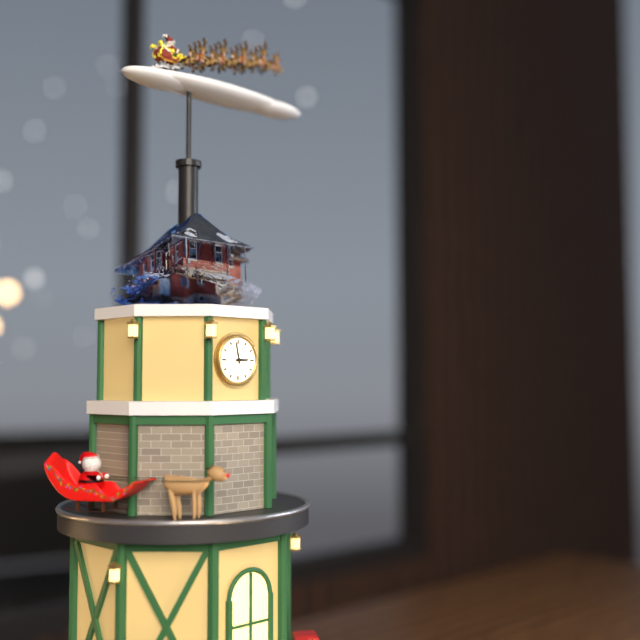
2:58
